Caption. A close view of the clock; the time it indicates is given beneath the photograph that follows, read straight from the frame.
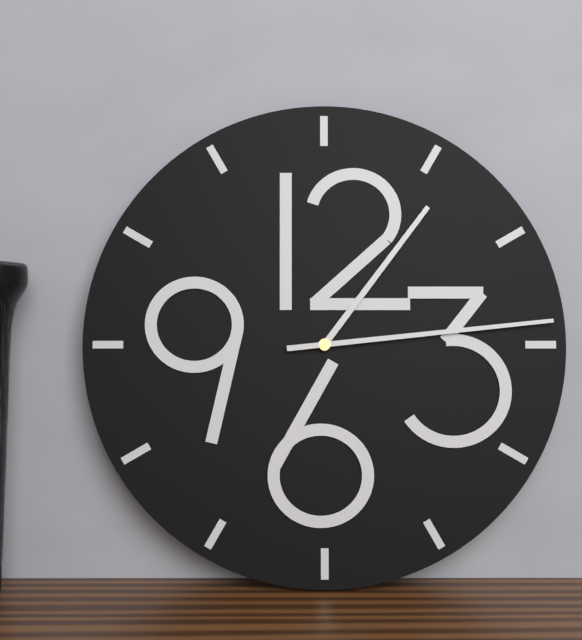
1:14
